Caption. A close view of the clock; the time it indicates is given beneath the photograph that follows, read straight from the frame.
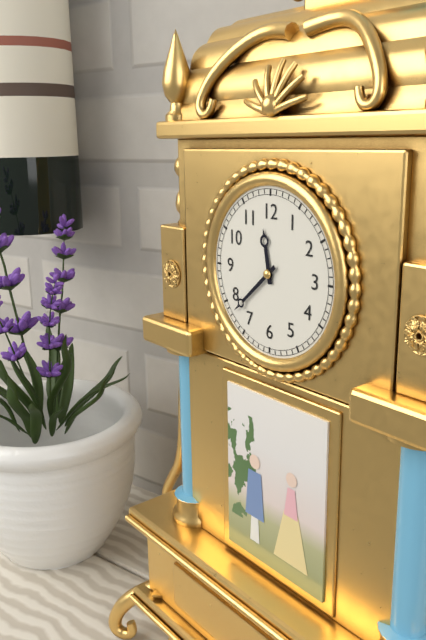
11:38
